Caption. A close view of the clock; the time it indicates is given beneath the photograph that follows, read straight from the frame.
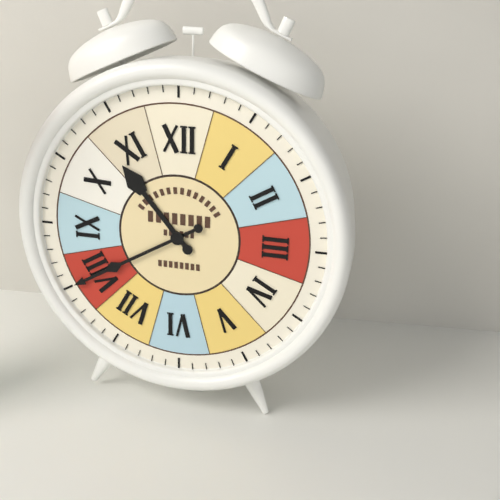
10:40
